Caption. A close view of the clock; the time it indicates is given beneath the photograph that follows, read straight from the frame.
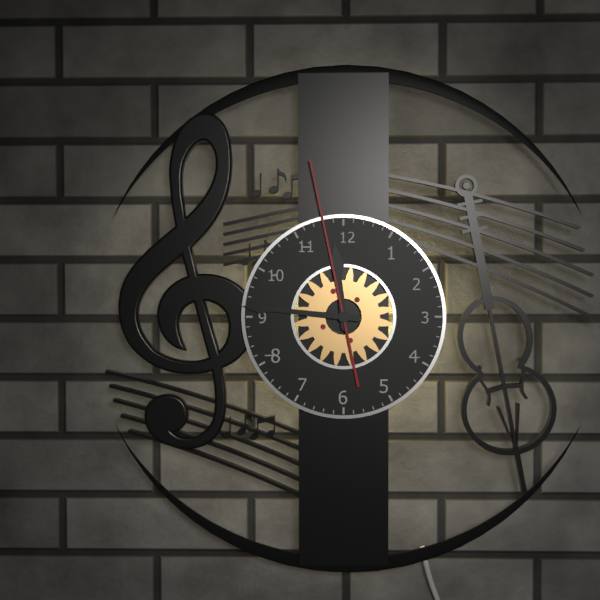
11:46:58
